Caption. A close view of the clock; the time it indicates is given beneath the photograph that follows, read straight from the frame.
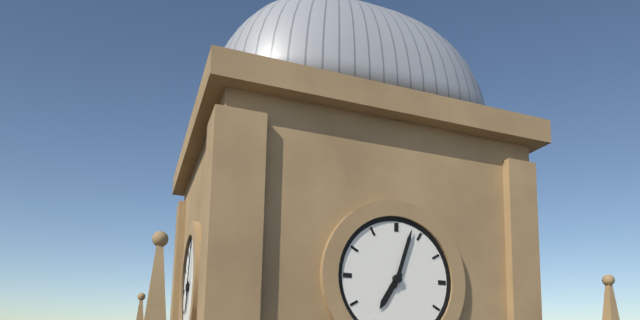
7:03
